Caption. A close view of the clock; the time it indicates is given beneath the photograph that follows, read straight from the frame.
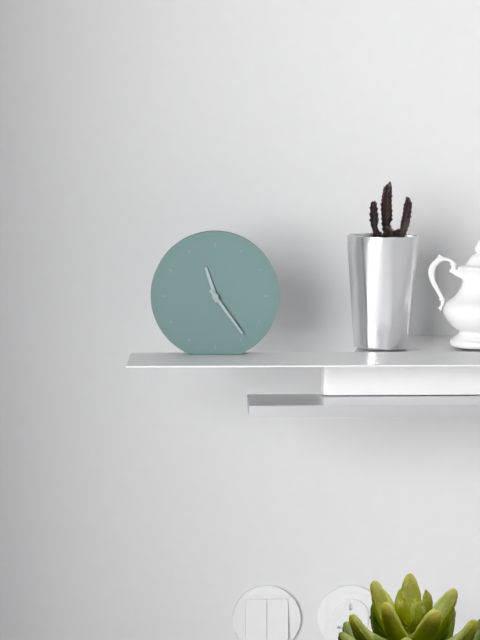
11:24
